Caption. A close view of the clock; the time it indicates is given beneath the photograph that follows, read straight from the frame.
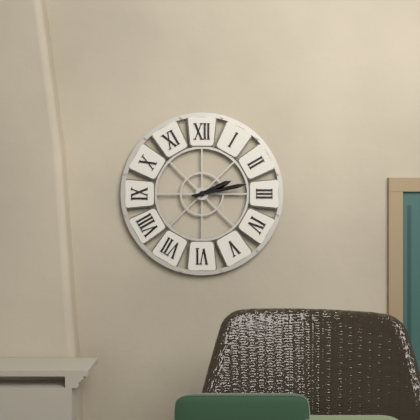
2:13
